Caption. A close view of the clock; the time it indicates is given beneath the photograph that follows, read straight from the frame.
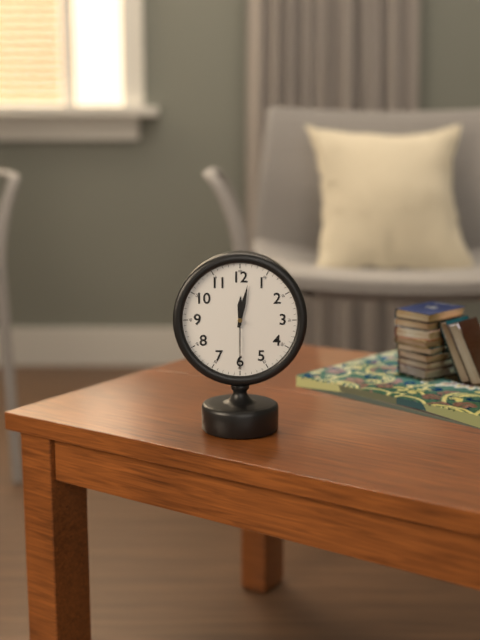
12:02:30
